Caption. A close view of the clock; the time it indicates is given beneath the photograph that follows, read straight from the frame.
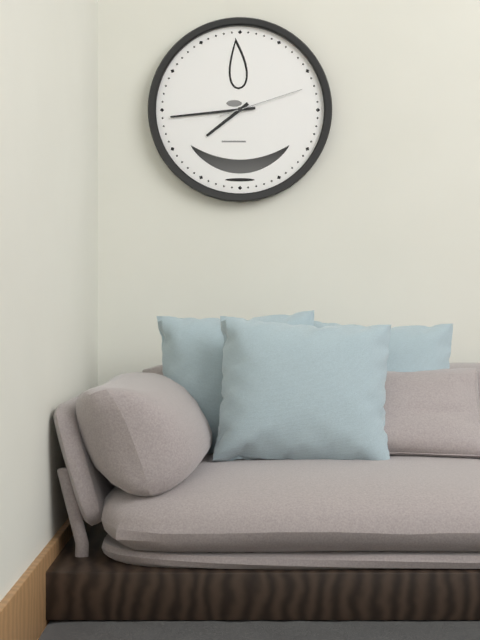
7:44:12
